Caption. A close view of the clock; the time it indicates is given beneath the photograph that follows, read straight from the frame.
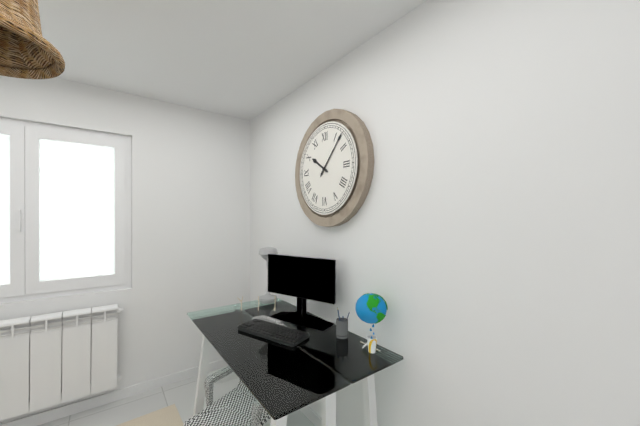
10:07
